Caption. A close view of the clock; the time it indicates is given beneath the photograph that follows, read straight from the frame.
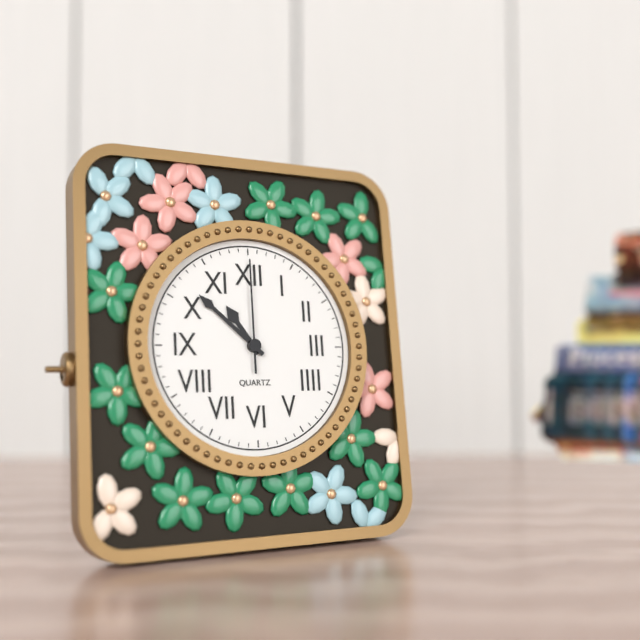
10:52:00
